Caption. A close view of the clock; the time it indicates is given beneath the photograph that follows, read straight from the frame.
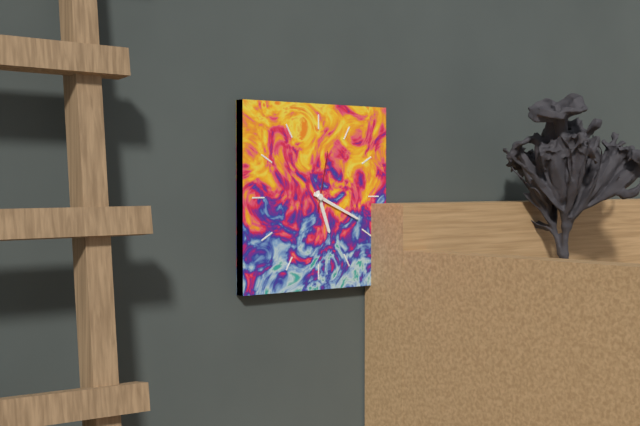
5:19:02
